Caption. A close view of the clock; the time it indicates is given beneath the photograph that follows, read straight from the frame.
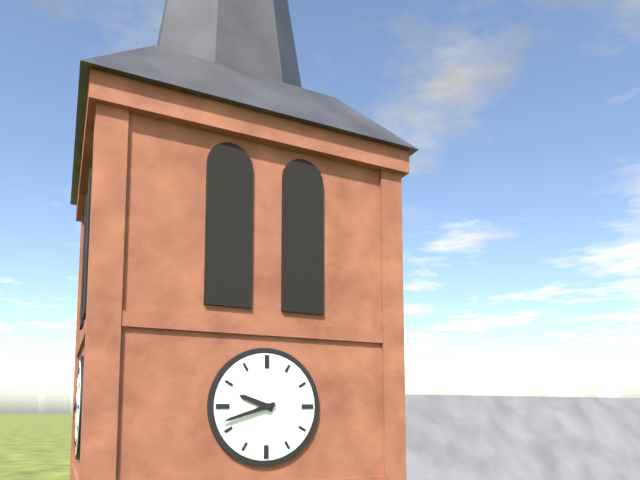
9:42
